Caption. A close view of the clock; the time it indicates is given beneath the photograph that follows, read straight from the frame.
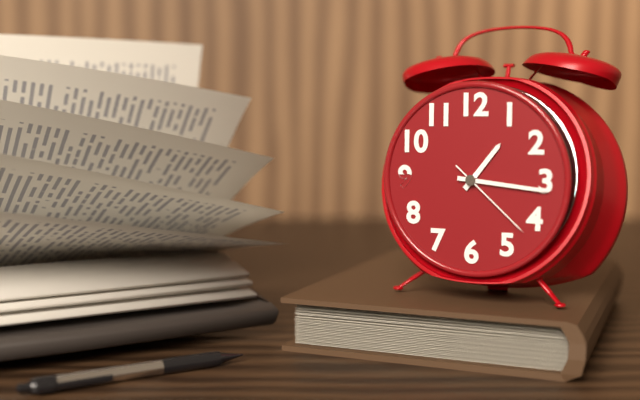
1:16:22
